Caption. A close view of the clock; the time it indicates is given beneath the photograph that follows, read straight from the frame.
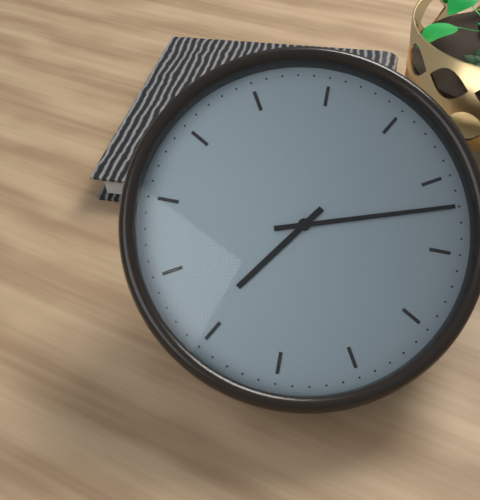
7:12
